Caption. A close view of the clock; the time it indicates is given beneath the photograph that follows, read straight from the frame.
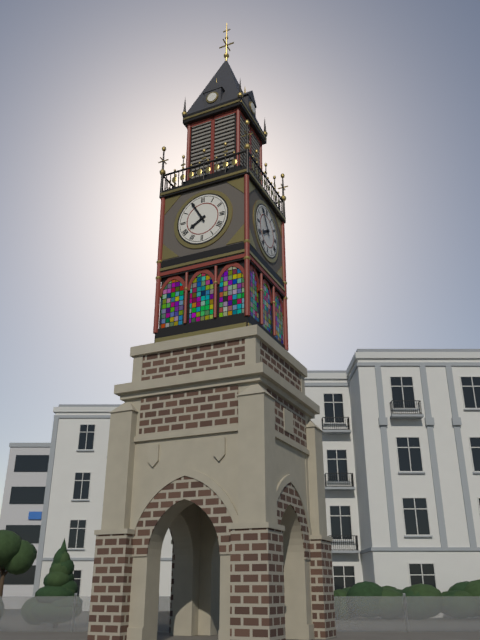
7:55
